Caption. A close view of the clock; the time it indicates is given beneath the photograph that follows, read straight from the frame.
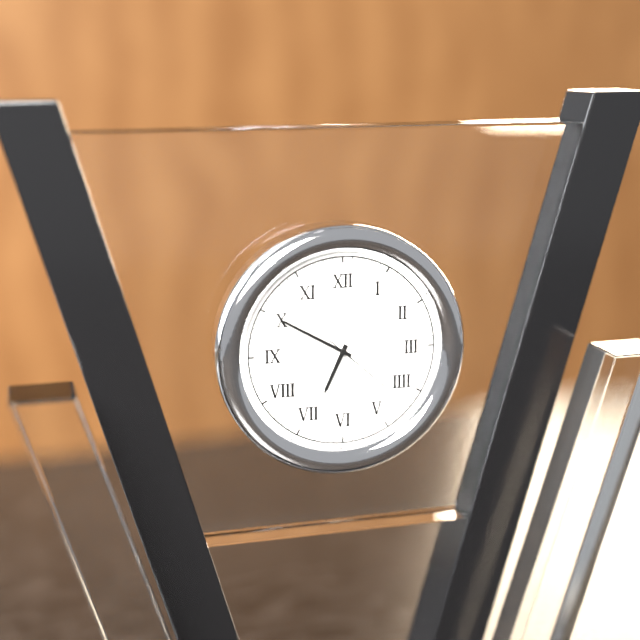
6:50:22
